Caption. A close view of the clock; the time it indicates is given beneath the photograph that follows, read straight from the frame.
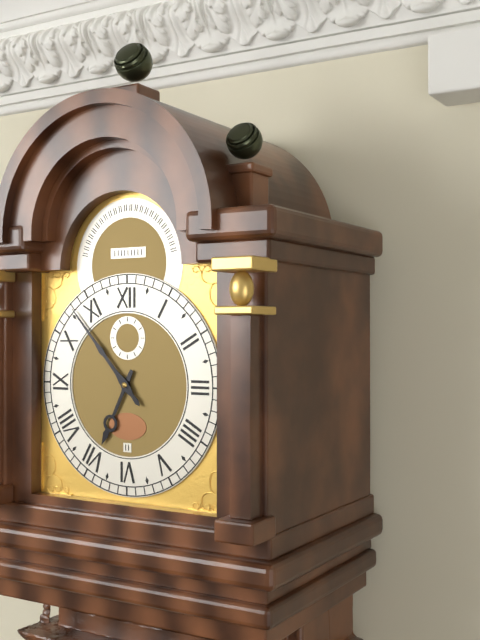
6:53
